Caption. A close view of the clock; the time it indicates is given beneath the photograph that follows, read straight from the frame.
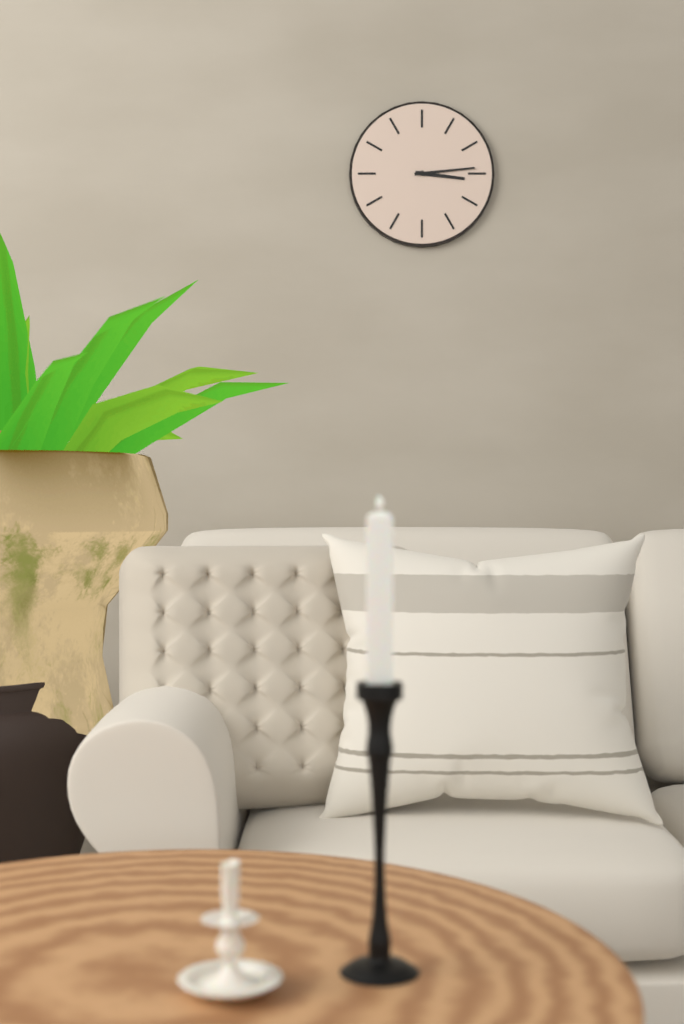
3:14
